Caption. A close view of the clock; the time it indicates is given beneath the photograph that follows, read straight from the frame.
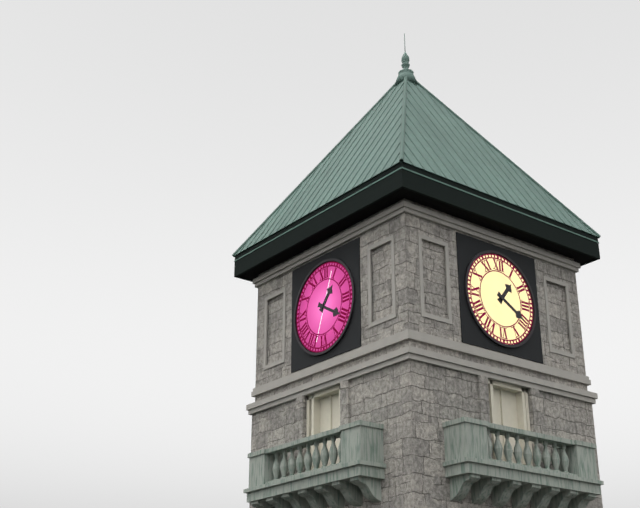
1:20
